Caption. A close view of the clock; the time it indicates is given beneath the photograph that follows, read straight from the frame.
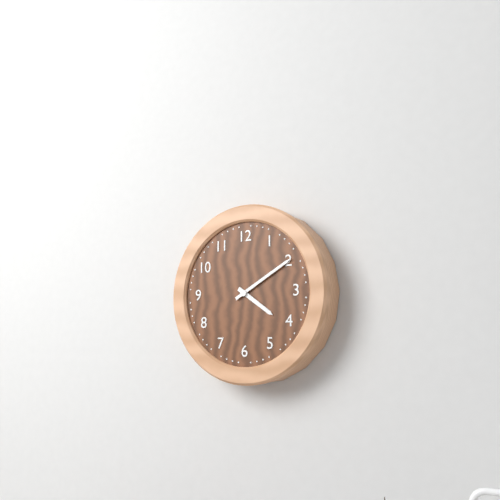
4:10
